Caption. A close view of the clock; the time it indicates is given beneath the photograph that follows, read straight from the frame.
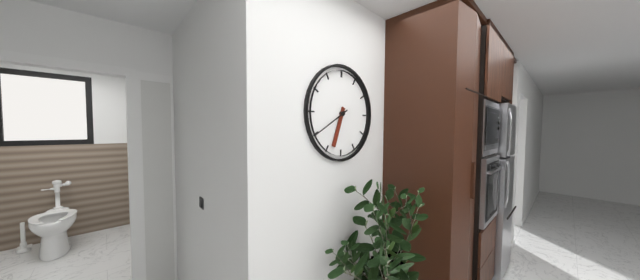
6:40
